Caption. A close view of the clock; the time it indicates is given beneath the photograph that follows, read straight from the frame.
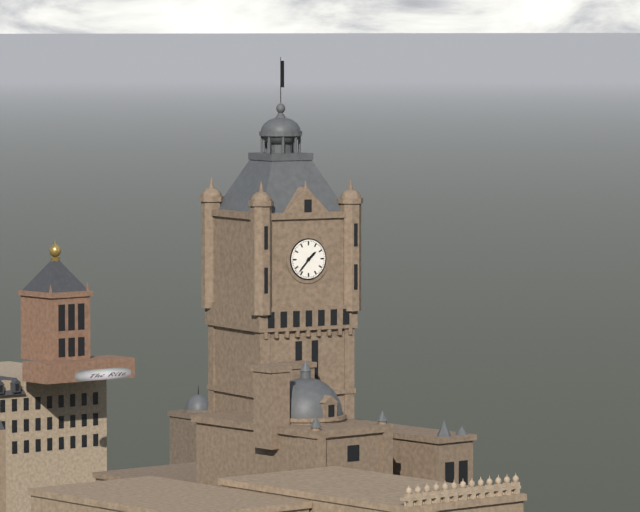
1:37
